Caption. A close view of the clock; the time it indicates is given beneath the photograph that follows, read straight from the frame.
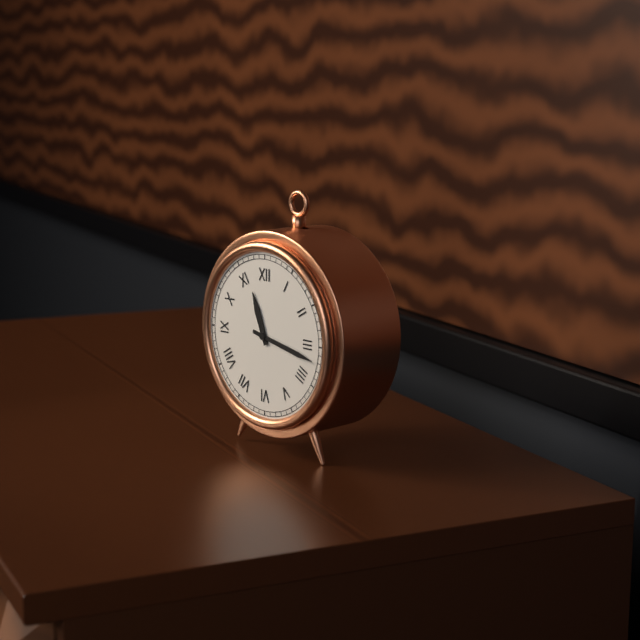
11:17
